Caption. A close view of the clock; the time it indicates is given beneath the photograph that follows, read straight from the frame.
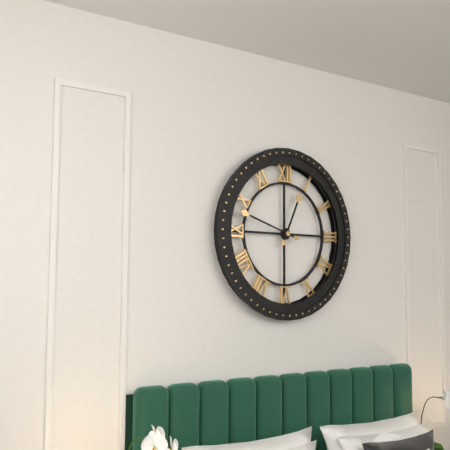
12:48
